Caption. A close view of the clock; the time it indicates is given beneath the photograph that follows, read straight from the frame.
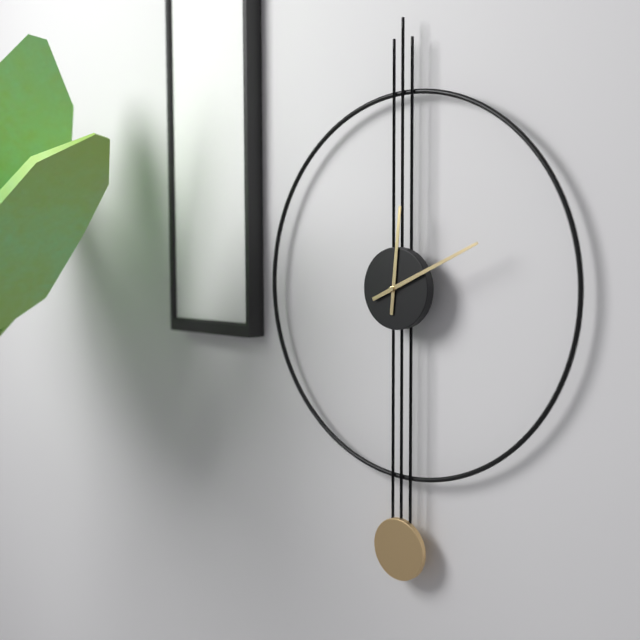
12:11
